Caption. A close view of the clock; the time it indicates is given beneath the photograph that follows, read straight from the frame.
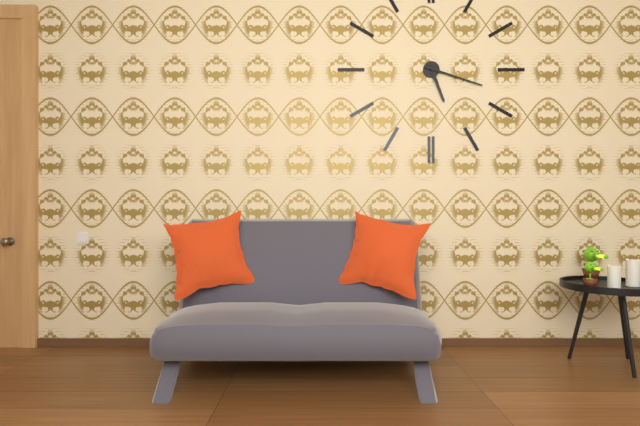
5:18
